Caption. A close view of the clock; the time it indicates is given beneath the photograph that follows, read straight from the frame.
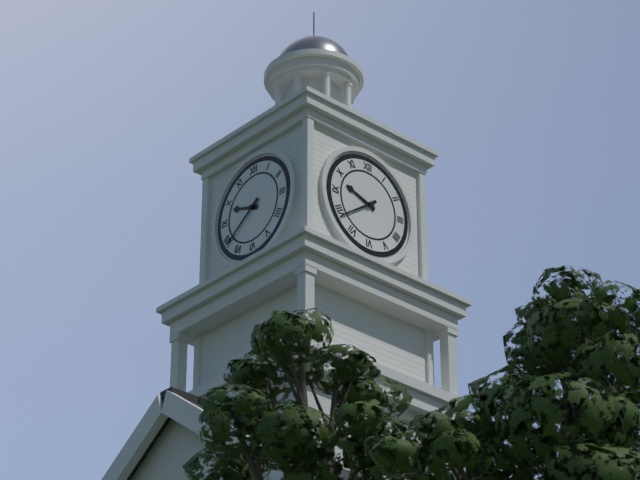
9:39
